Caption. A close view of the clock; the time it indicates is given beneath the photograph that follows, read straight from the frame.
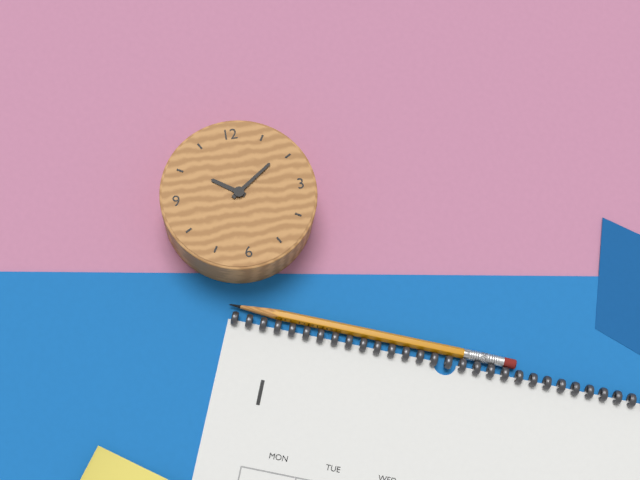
10:09
